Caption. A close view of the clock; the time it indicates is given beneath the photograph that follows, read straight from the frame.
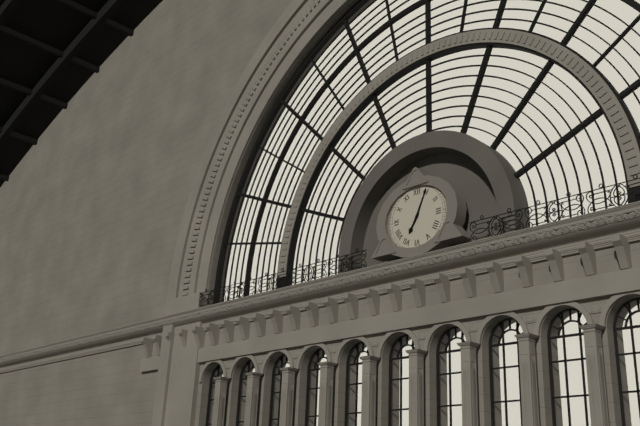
7:04
